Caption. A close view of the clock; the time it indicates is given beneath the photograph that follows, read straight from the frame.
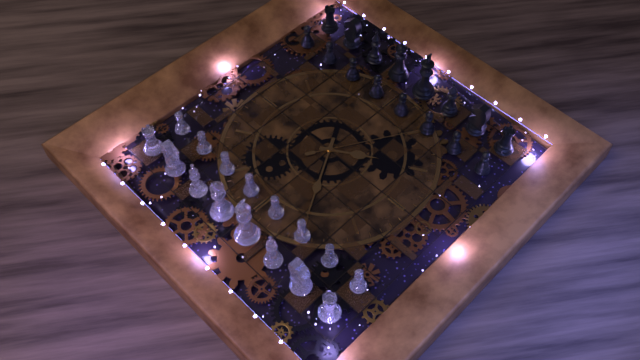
7:55:35
